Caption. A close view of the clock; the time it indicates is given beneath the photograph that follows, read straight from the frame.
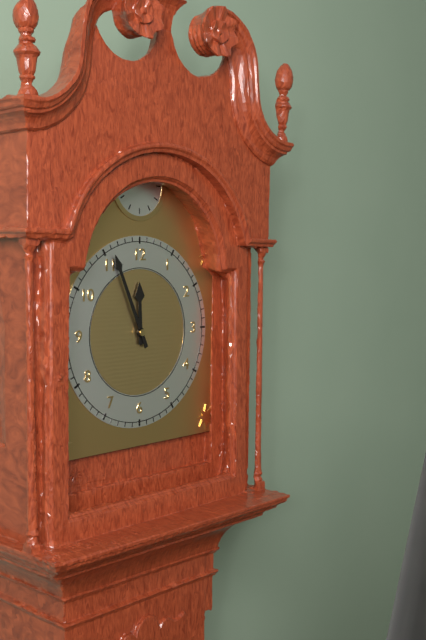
11:56
